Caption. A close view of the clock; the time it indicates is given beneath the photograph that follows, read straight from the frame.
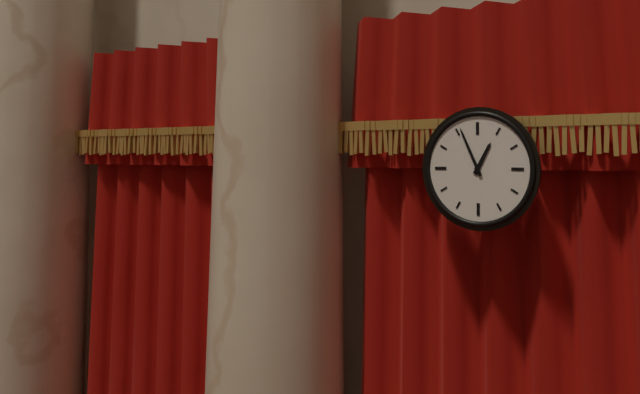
12:56
